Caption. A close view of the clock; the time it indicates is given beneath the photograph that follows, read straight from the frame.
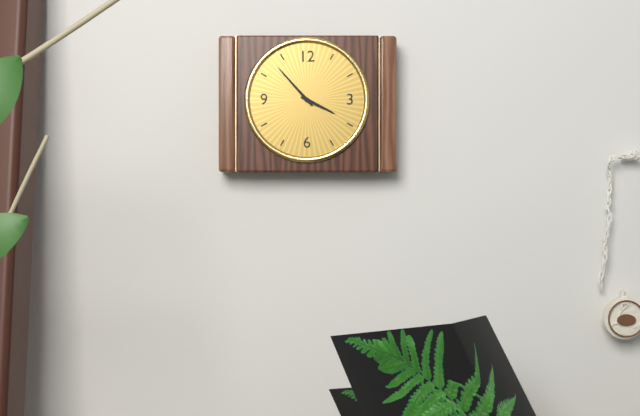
3:53
